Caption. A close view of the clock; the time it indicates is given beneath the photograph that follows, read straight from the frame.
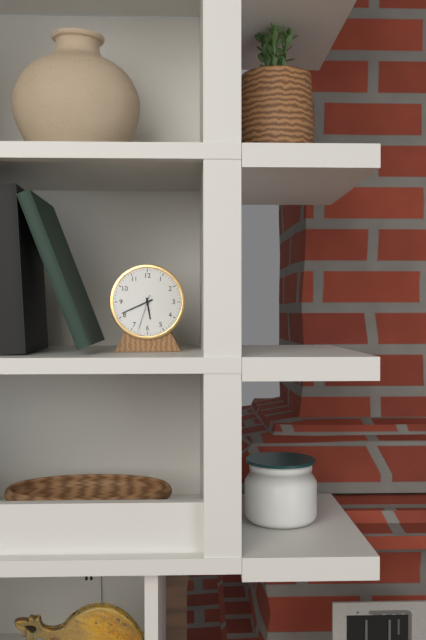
5:41
